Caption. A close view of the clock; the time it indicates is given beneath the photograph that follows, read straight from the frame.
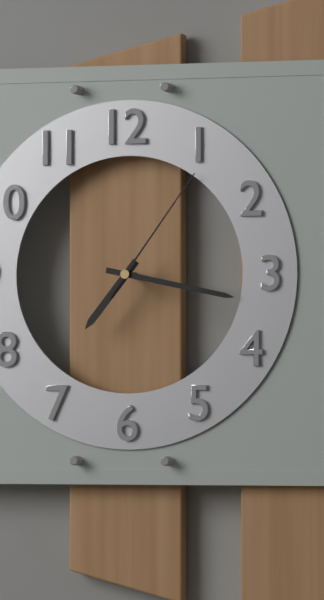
7:17:06
